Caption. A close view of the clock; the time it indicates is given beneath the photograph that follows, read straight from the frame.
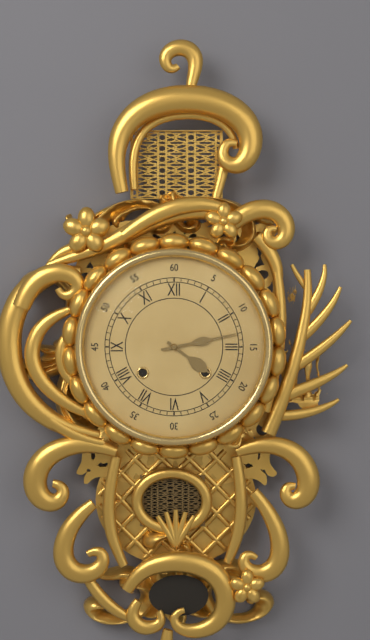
4:13
